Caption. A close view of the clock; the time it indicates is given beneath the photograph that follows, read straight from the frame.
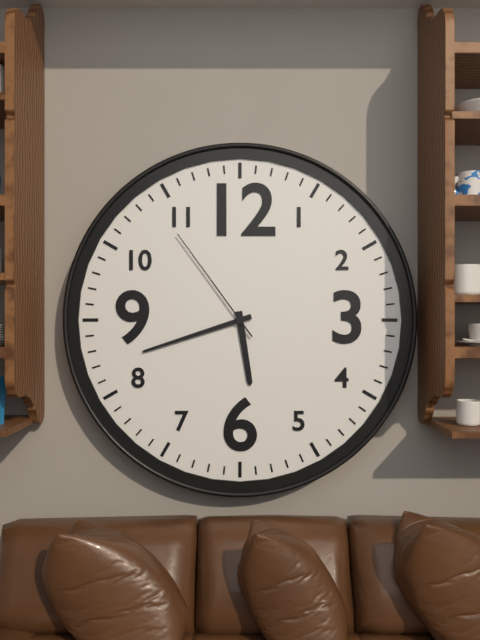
5:42:54
